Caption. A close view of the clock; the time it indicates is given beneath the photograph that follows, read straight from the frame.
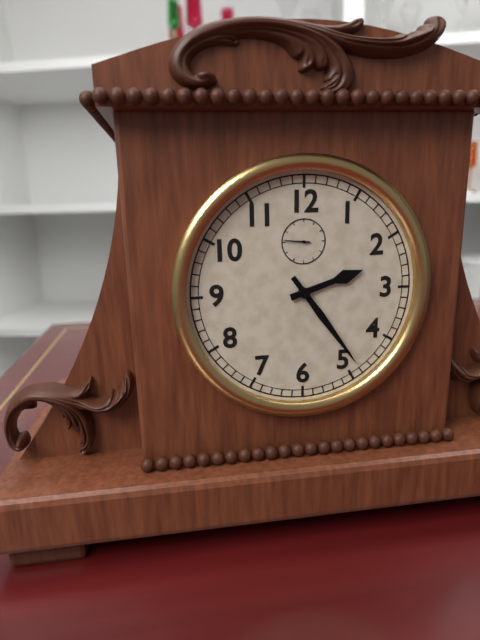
2:24
